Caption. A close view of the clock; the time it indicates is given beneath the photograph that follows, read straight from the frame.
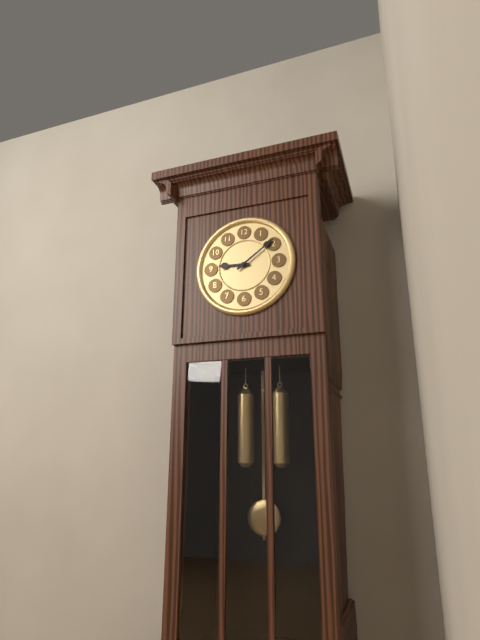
9:09
